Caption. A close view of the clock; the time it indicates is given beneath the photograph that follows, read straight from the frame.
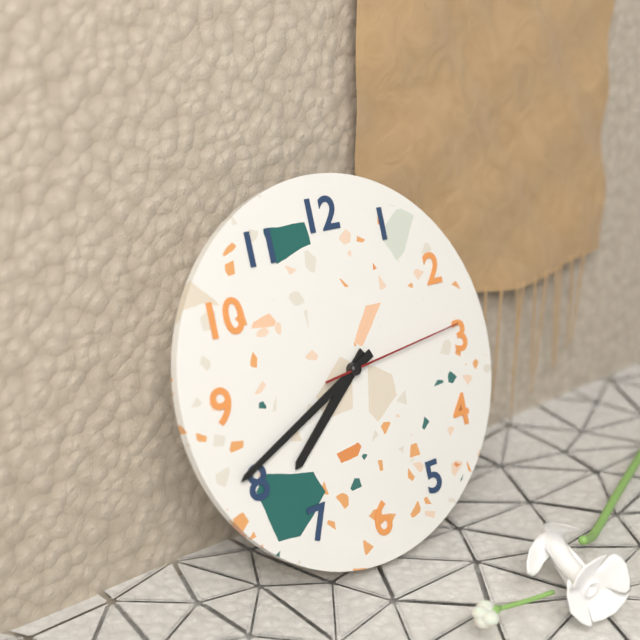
7:41:14
